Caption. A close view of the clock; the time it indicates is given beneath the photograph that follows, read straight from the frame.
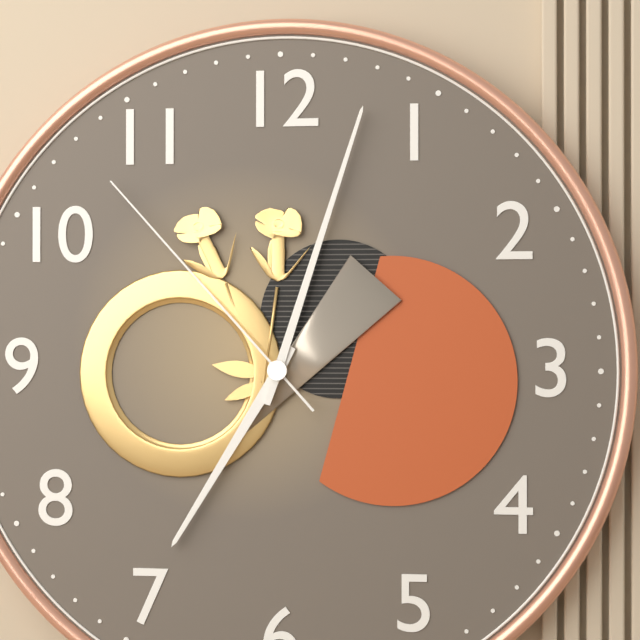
7:03:53
